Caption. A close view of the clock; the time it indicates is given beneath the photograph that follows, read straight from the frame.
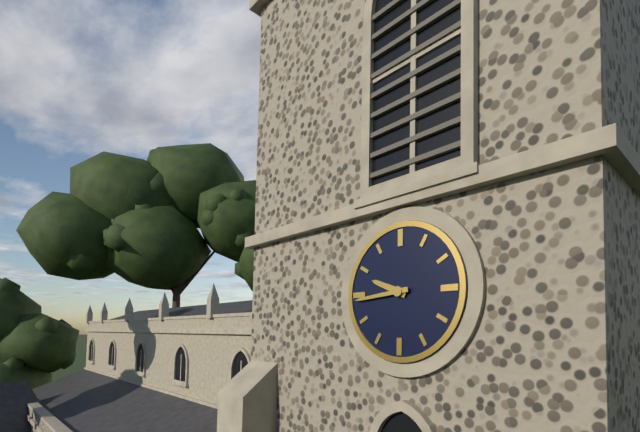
9:44
